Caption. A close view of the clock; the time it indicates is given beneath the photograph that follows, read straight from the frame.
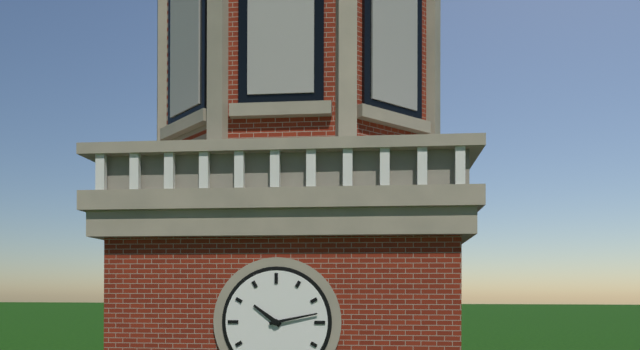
10:13
